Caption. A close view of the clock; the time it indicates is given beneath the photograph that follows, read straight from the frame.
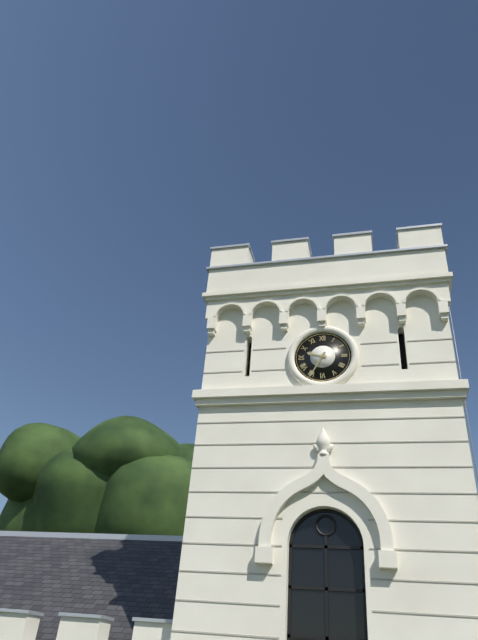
9:35
